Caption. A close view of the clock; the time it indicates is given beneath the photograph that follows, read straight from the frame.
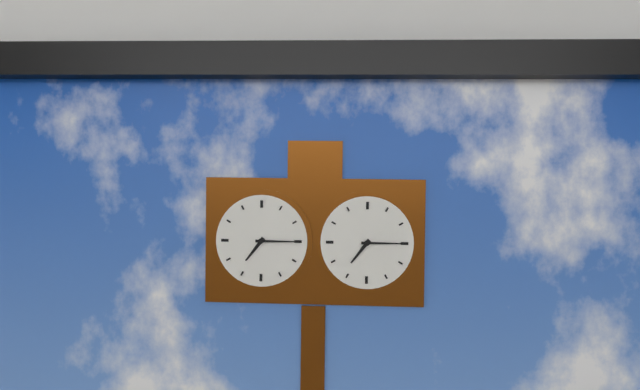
7:15
